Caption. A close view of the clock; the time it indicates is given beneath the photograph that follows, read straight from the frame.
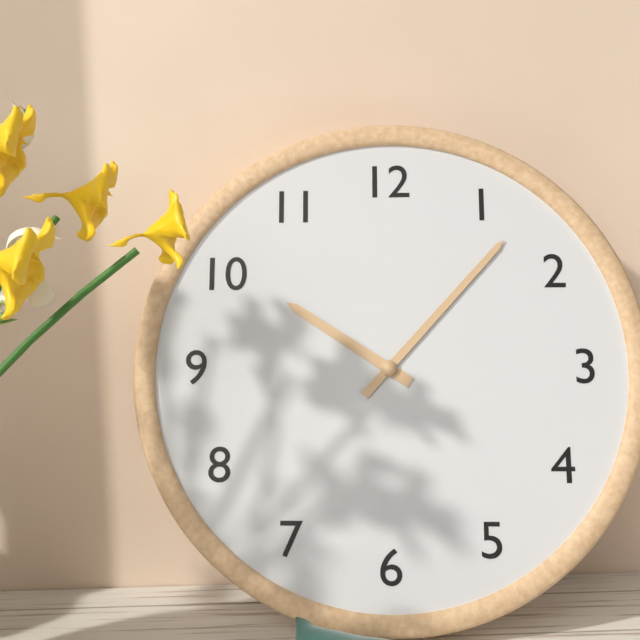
10:07
